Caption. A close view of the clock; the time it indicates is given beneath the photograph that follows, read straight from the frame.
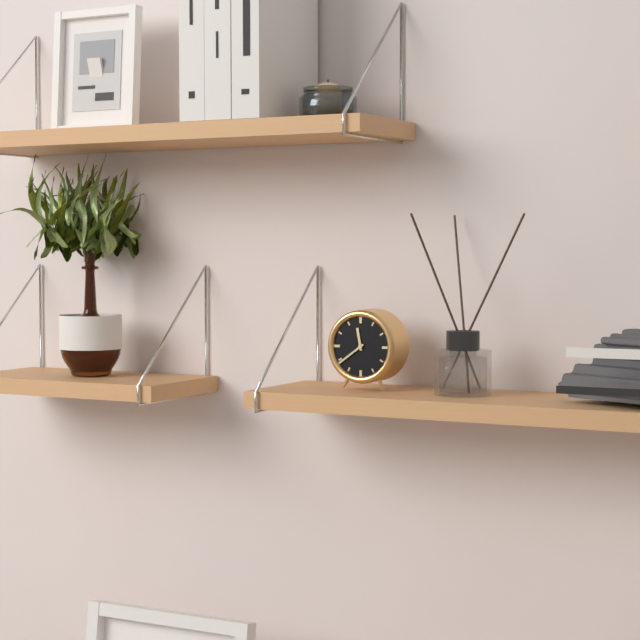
11:39
